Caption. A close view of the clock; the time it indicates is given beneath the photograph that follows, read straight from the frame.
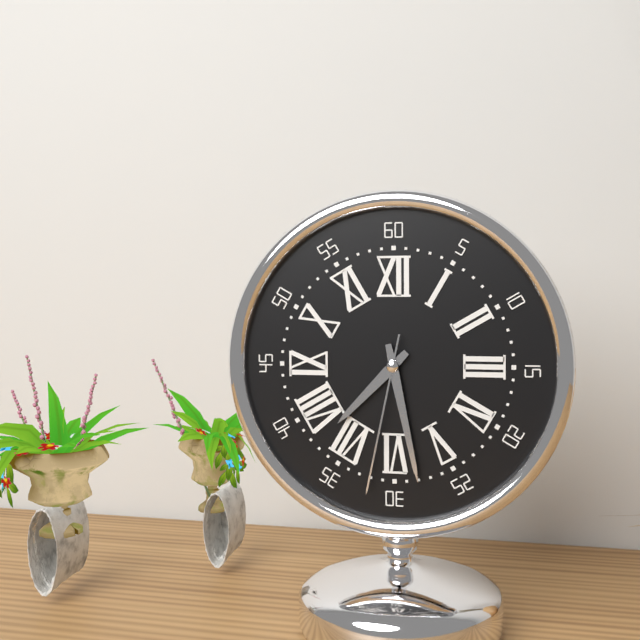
7:28:32
